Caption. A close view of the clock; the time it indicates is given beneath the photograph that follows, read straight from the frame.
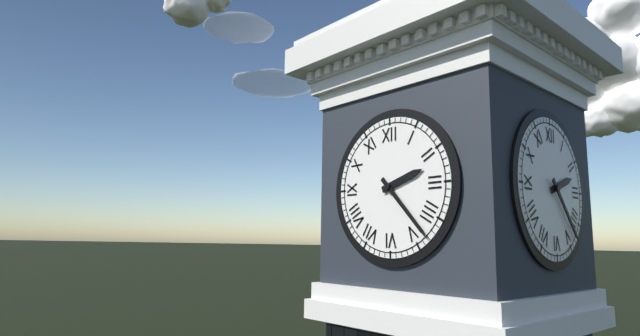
2:23
